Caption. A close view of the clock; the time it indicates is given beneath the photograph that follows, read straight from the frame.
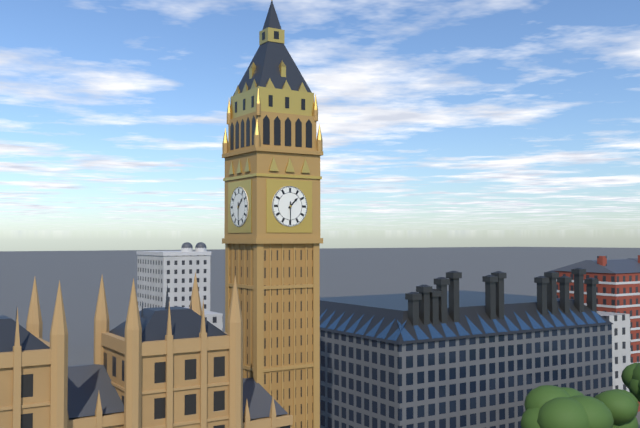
1:30
